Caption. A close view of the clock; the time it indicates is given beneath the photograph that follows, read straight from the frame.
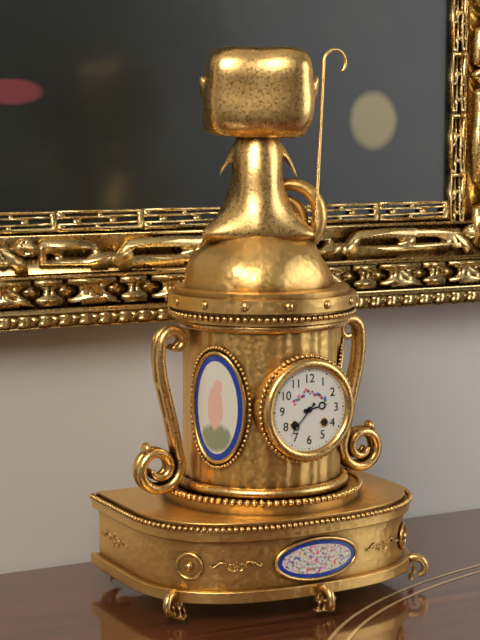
2:37
